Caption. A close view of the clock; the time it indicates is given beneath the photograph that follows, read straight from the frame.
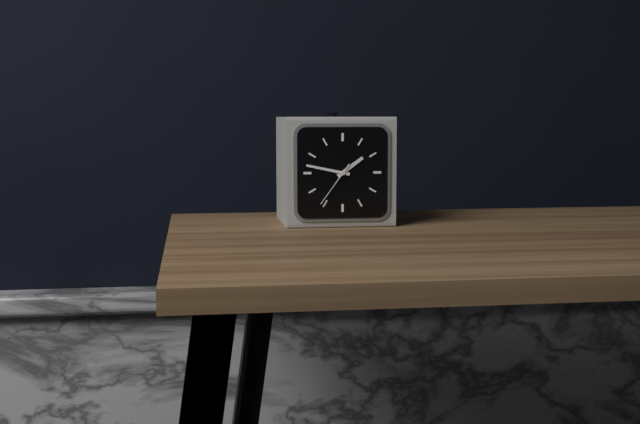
1:47
